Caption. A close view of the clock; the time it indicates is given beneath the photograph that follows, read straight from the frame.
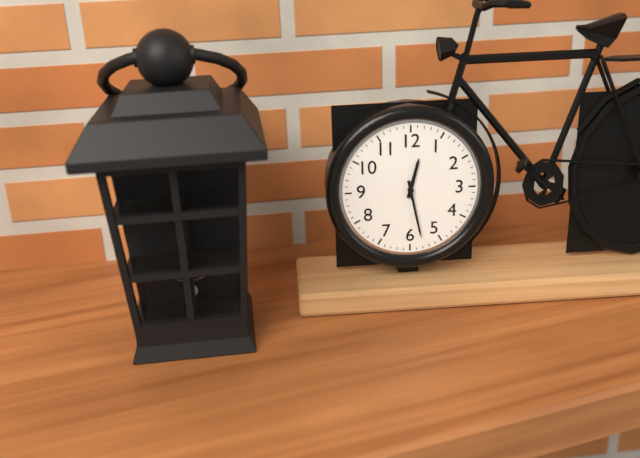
12:28
